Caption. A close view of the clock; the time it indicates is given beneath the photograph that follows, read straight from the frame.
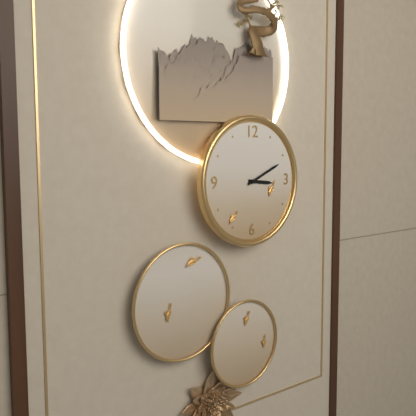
3:11
